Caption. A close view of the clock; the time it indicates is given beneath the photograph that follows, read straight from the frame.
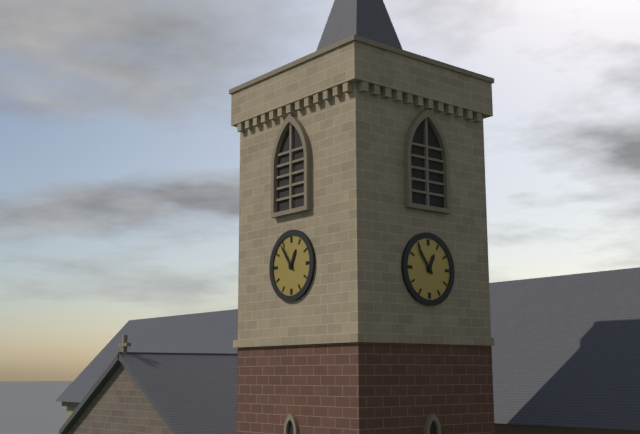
12:54
